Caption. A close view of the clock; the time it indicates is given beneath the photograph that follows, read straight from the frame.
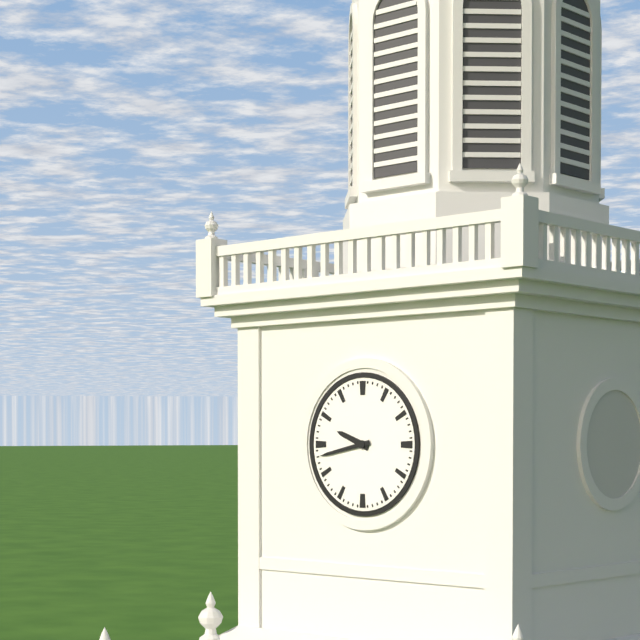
9:43
